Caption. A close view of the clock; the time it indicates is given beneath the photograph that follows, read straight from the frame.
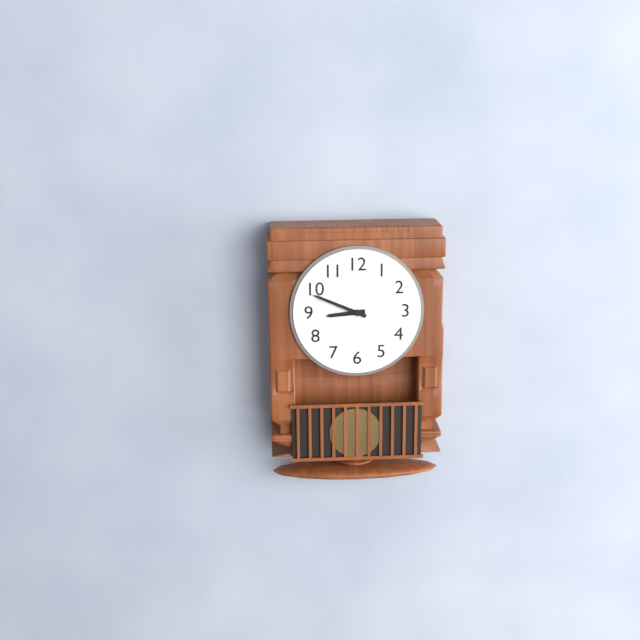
8:49
